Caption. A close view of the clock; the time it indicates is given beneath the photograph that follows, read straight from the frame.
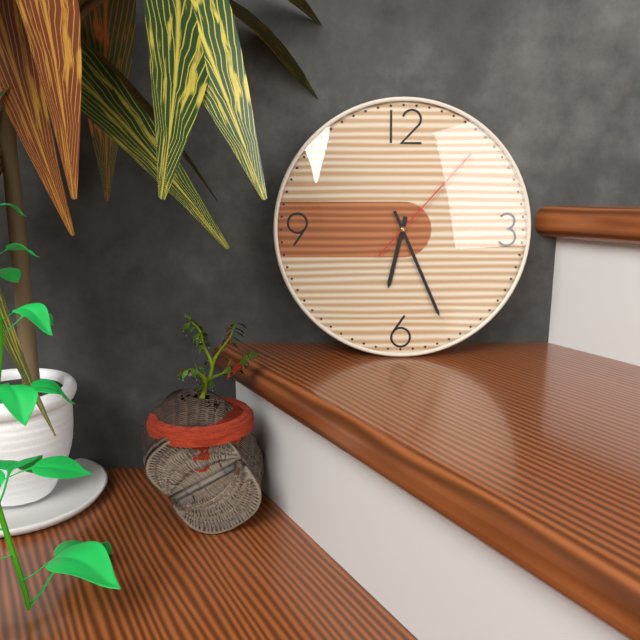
6:26:07
